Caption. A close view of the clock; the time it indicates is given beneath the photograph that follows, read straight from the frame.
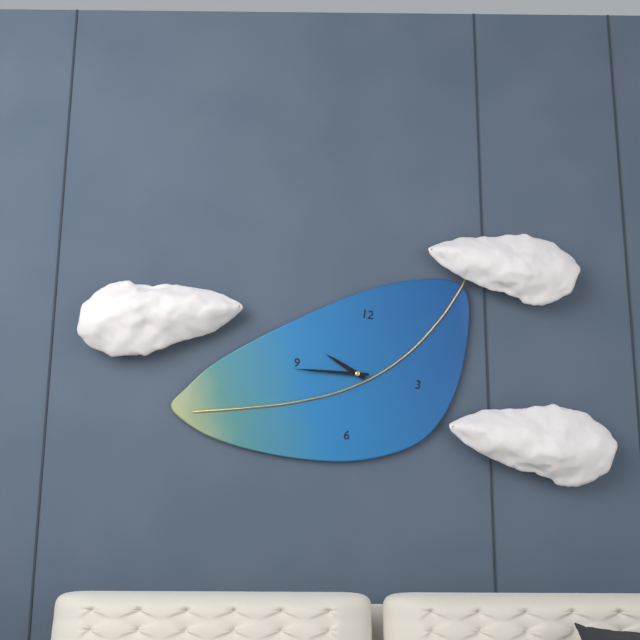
9:44
